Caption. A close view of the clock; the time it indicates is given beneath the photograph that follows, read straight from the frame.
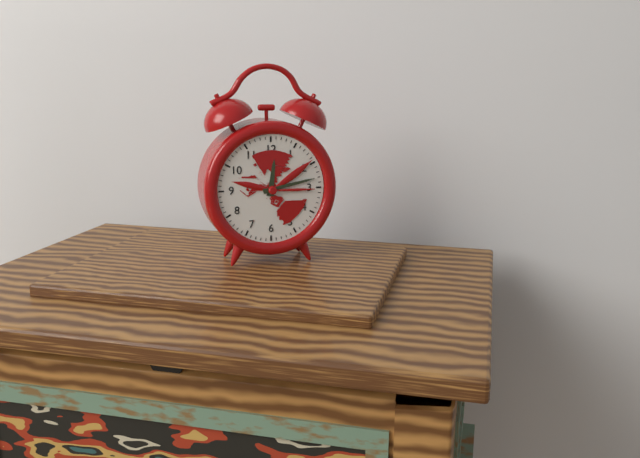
12:13
